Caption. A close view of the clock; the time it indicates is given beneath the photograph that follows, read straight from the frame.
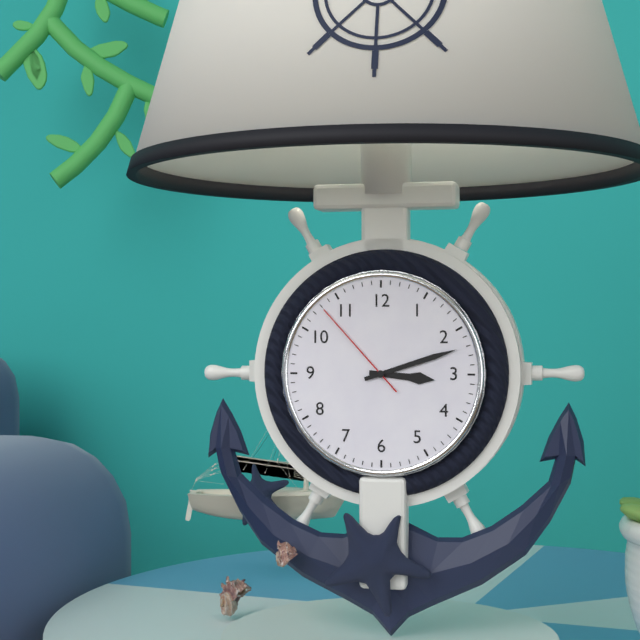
3:12:53
